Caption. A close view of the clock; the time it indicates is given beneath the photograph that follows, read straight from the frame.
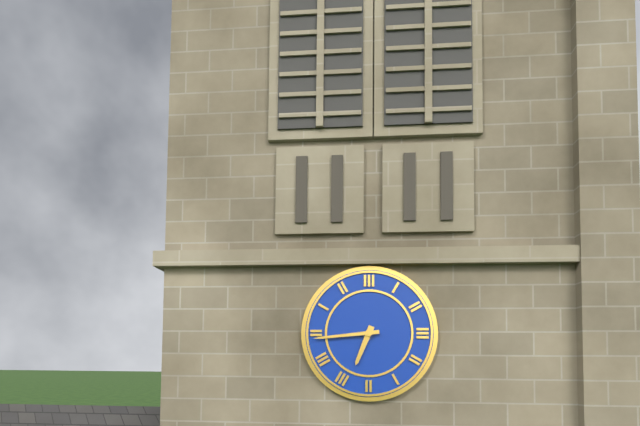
6:44
